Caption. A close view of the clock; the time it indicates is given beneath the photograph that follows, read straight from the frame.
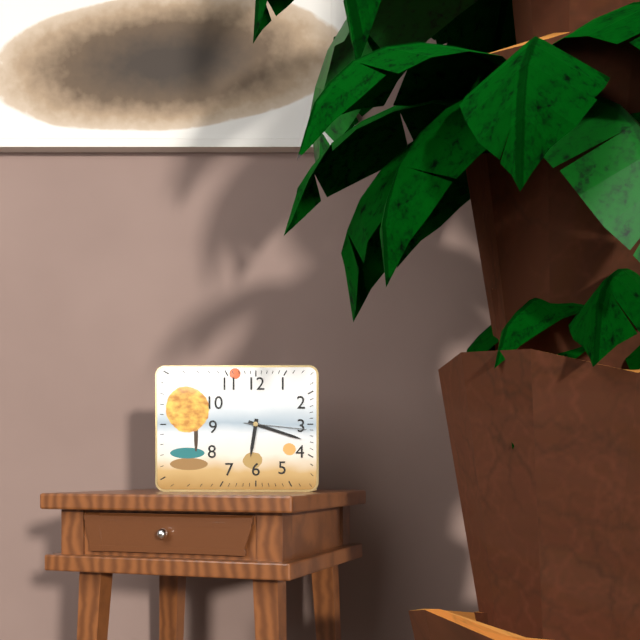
6:18:16
